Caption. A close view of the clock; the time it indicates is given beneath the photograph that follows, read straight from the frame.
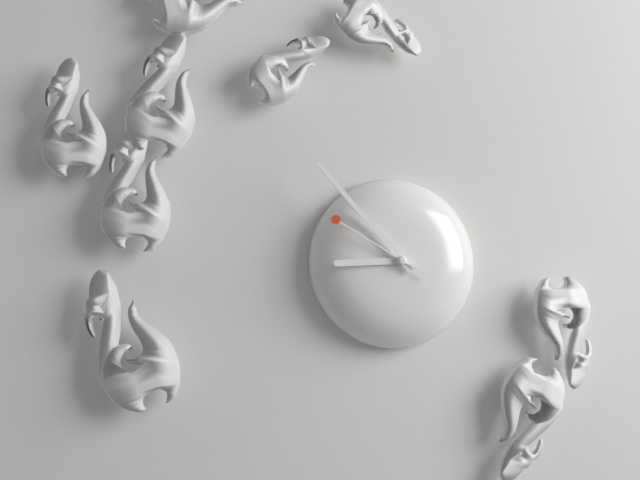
8:53:50
